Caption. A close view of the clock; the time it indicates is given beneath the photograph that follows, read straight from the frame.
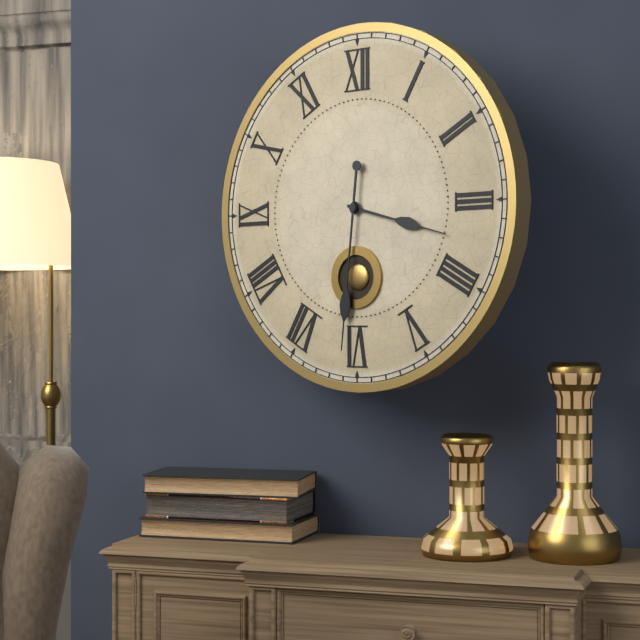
3:31
